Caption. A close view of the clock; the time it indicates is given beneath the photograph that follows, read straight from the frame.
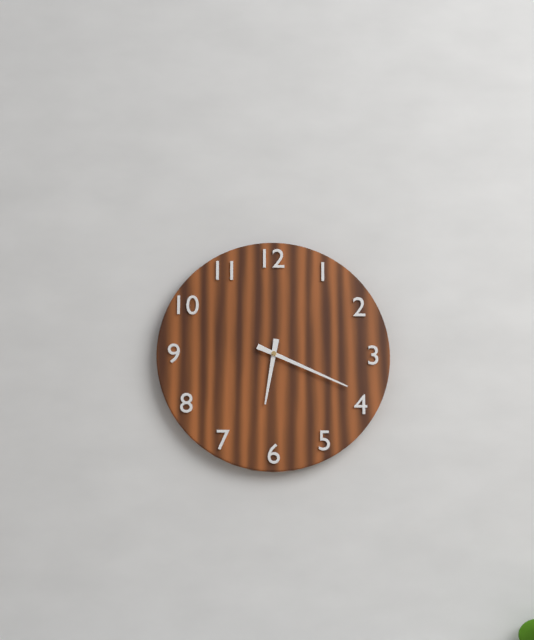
6:19
